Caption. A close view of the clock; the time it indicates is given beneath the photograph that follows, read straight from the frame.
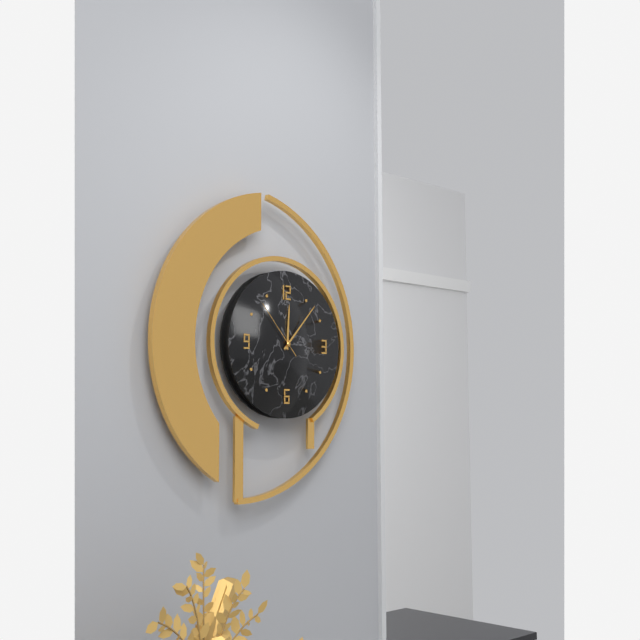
12:07:53
